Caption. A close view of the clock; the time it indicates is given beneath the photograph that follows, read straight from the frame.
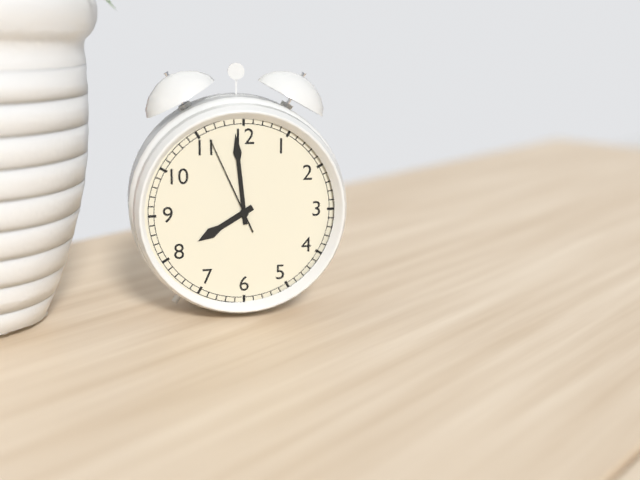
7:59:56
